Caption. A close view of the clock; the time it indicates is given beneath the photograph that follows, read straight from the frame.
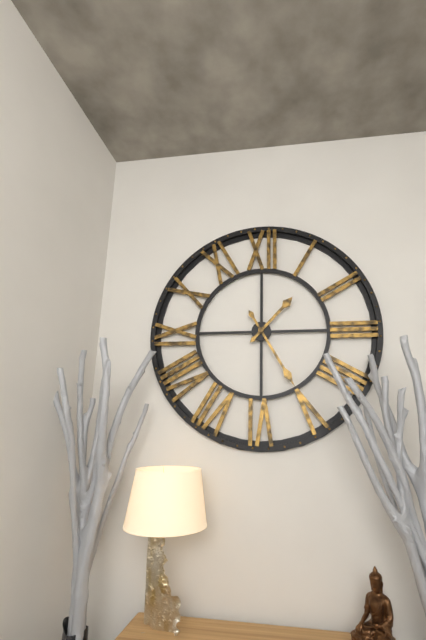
1:25
